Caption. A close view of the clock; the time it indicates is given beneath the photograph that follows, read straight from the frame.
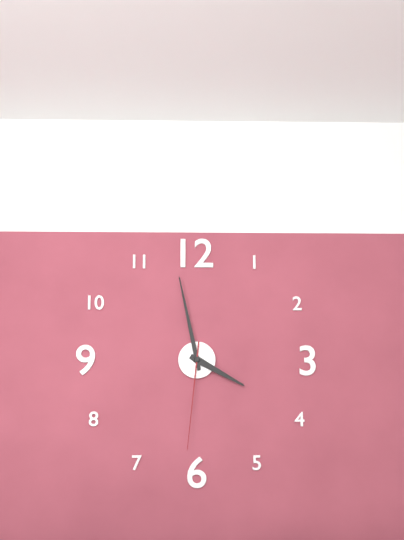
3:58:31
